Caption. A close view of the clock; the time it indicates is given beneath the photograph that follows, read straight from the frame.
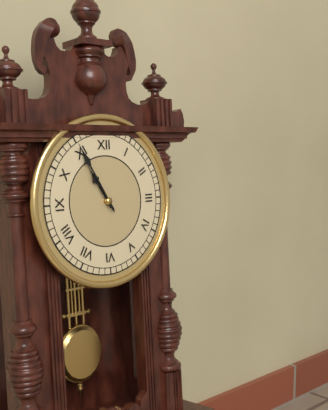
10:55
